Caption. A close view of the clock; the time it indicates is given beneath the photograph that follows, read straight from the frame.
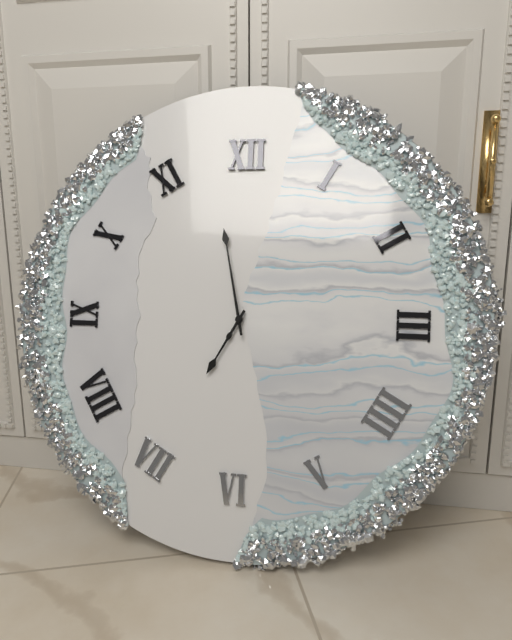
6:58
